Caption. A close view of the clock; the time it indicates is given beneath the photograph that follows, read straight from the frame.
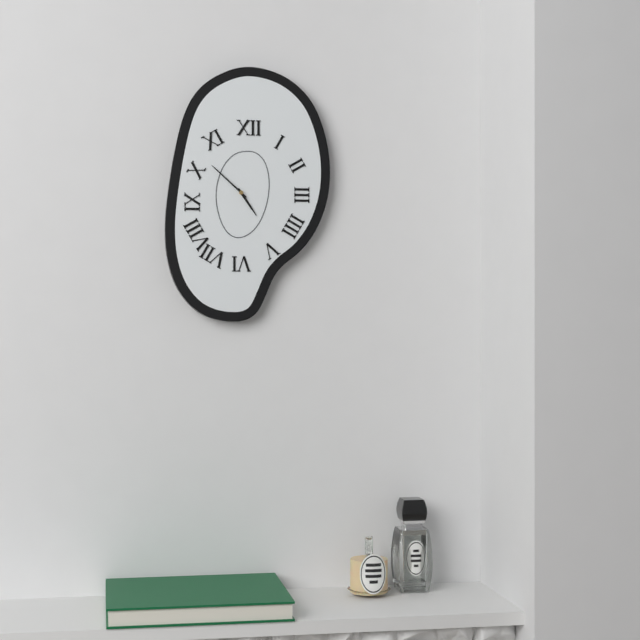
4:52
